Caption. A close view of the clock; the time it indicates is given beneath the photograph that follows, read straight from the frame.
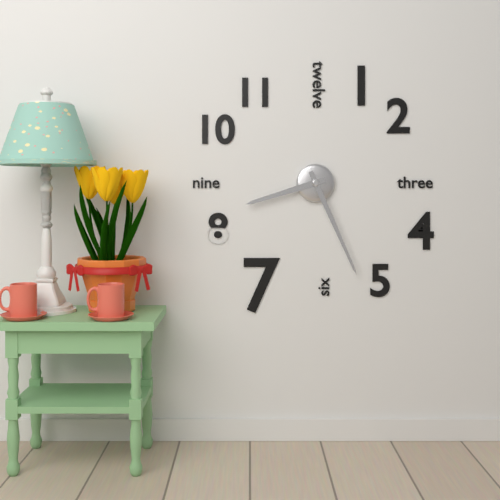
8:26
